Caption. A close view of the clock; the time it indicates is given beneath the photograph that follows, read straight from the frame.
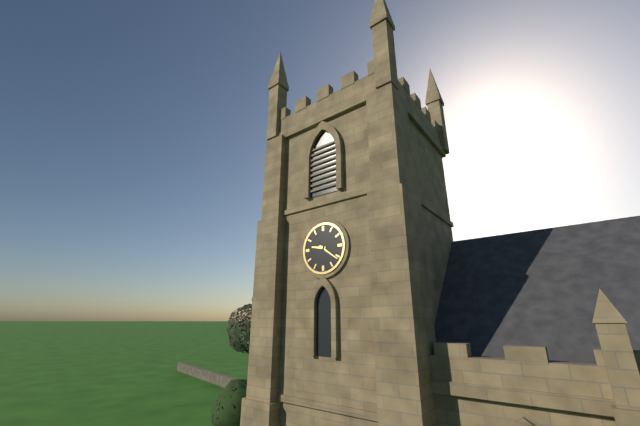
9:21
